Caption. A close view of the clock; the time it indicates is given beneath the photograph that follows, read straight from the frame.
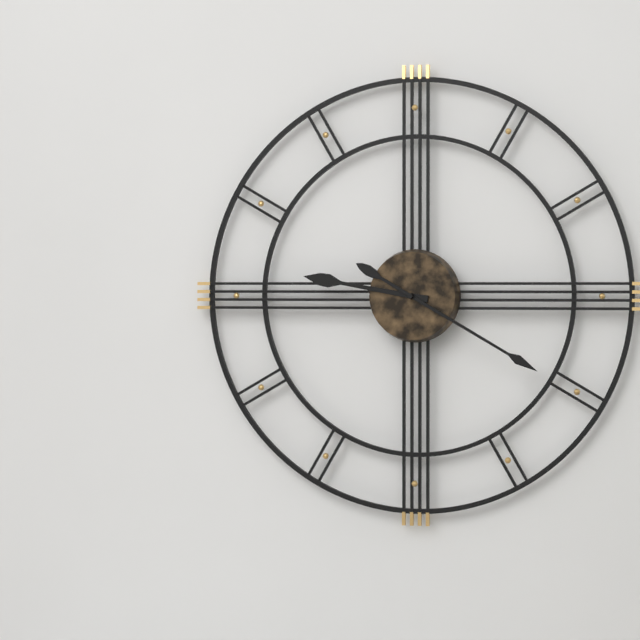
9:20
